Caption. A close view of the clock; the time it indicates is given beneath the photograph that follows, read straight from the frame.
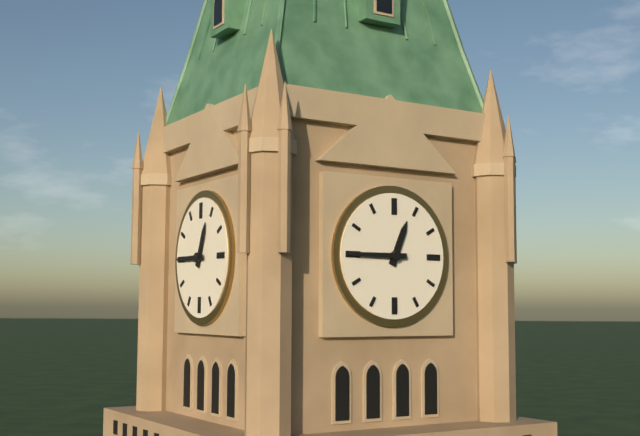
12:45
